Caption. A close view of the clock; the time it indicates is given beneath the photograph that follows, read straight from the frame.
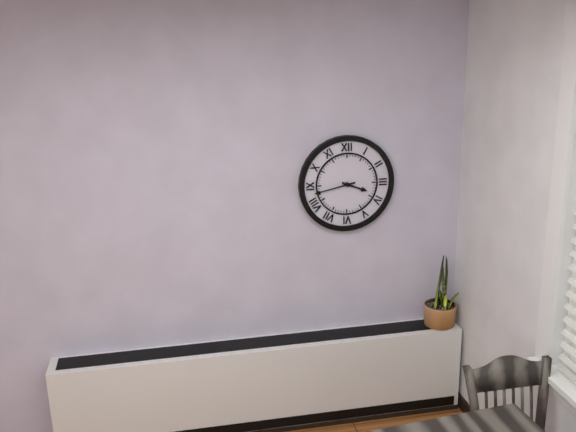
3:43
